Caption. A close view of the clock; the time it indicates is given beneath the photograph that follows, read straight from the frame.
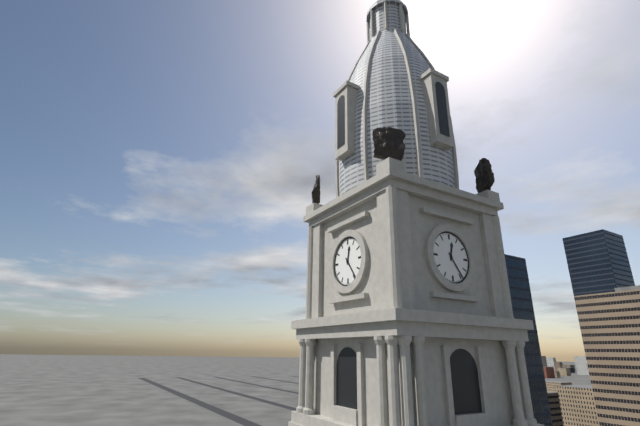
12:24
